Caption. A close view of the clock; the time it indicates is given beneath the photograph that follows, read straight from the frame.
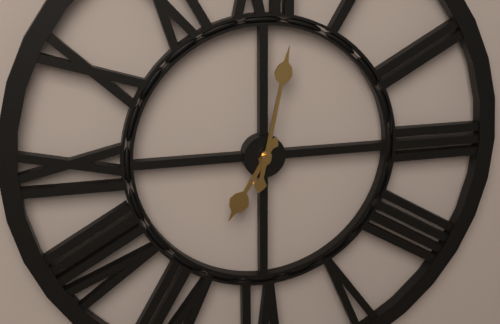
7:02
